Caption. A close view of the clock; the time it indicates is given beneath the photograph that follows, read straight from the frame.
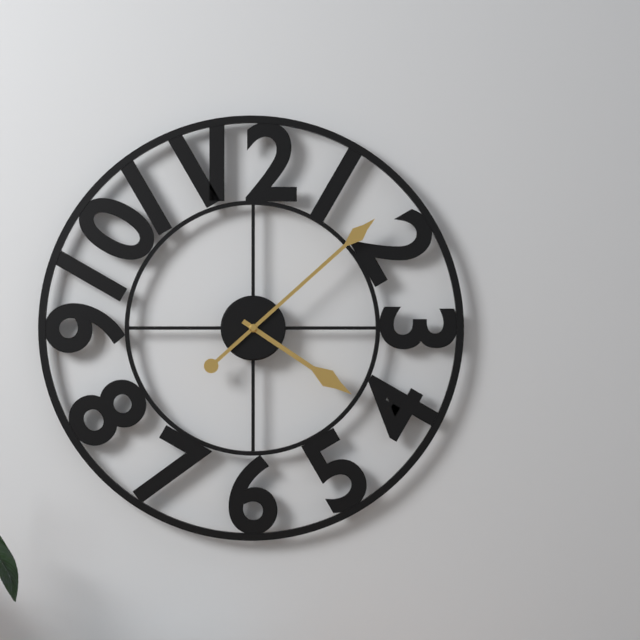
4:08
